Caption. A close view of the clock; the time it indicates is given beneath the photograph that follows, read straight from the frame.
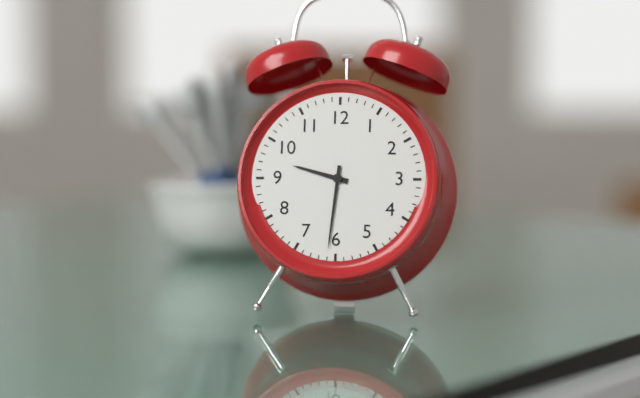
9:31
